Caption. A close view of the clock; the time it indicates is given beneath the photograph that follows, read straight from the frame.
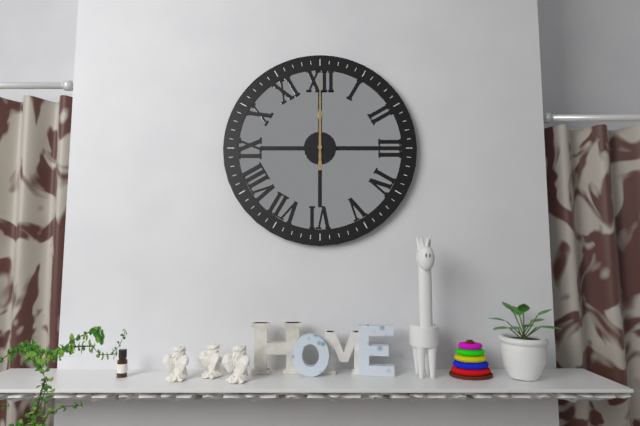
12:00
